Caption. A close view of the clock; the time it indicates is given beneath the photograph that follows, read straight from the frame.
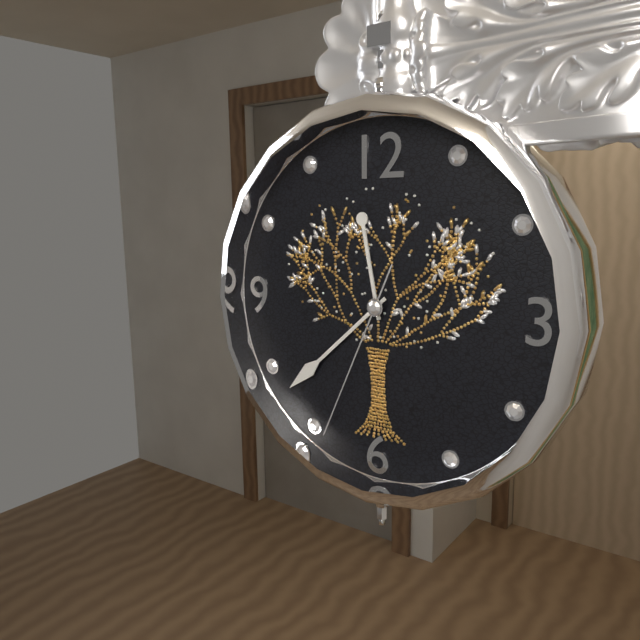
11:38:34
